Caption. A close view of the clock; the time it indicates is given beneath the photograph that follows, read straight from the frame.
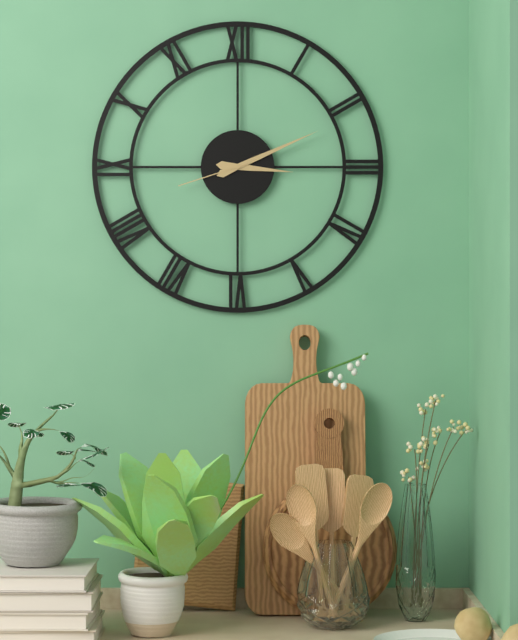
3:11:42
